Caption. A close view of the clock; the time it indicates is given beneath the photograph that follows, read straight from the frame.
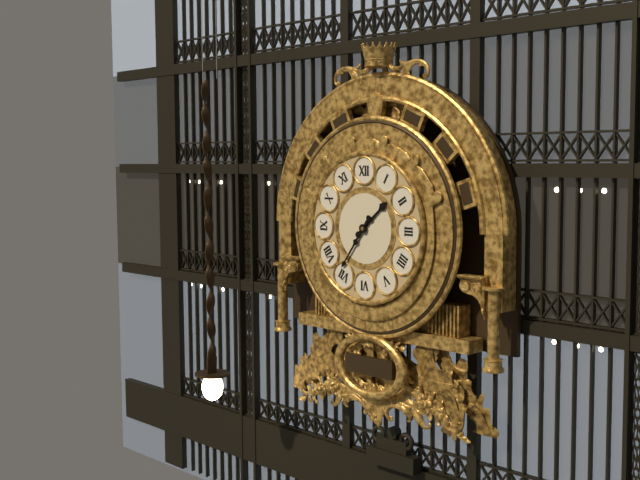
1:36
